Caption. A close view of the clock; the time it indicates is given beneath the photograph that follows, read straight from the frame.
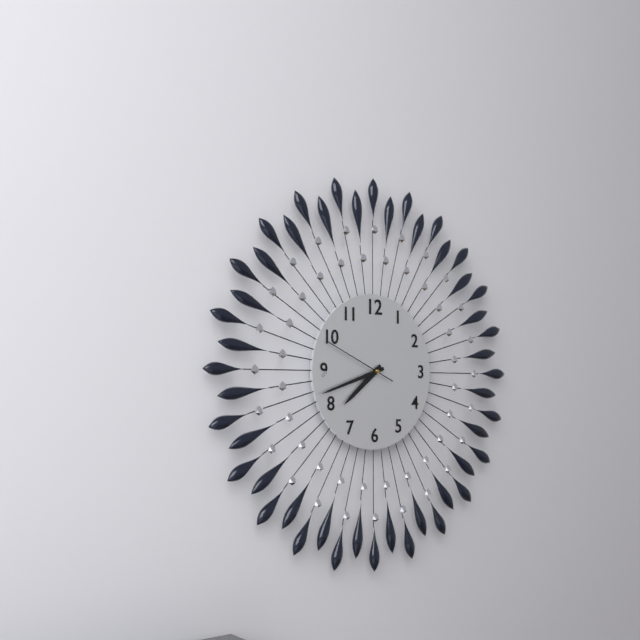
7:42:49
